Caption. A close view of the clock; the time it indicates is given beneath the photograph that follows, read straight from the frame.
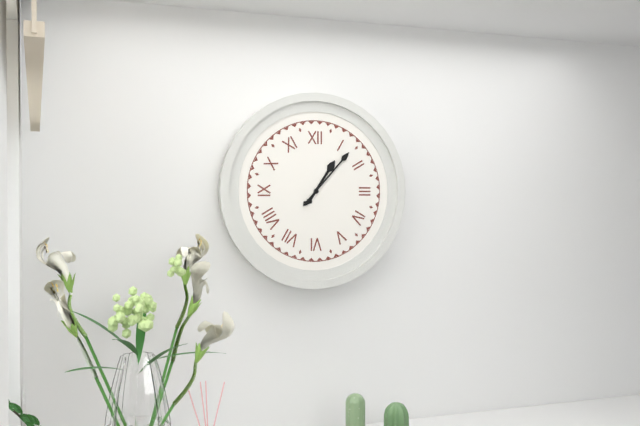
1:07
